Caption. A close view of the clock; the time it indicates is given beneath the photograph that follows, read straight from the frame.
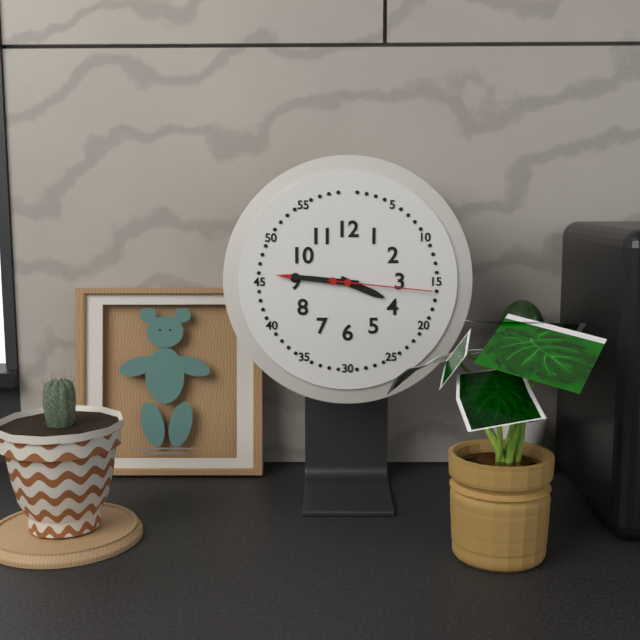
3:46:16
